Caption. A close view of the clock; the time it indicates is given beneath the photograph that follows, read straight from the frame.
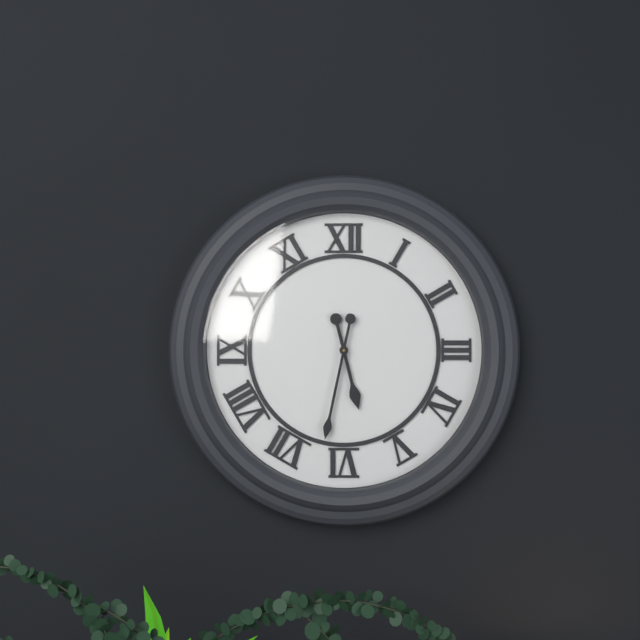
5:32
